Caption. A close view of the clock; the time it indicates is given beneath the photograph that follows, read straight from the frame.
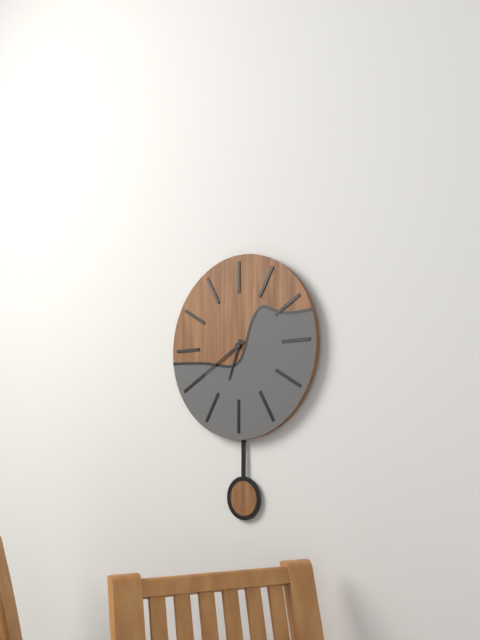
6:40
